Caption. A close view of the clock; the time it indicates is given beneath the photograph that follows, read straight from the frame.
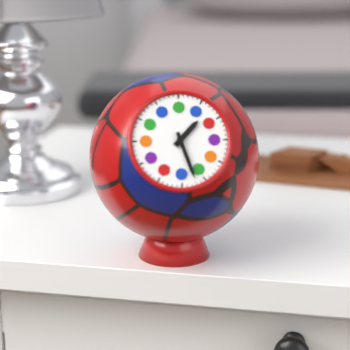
1:27
